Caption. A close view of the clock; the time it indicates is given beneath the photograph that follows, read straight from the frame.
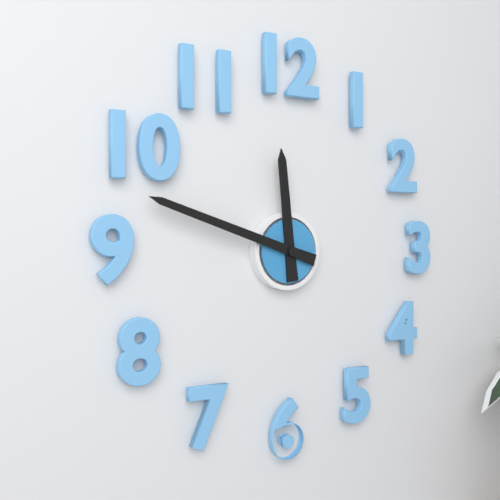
11:48
